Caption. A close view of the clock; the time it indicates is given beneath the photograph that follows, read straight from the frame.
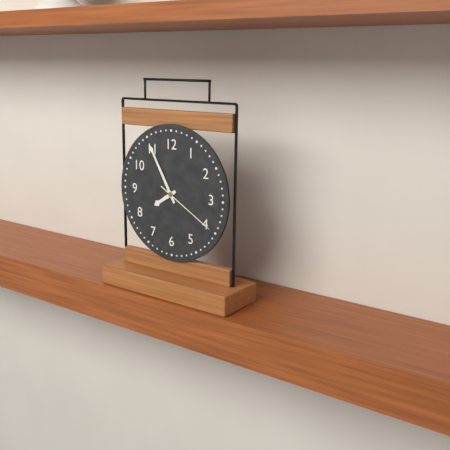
7:55:20
